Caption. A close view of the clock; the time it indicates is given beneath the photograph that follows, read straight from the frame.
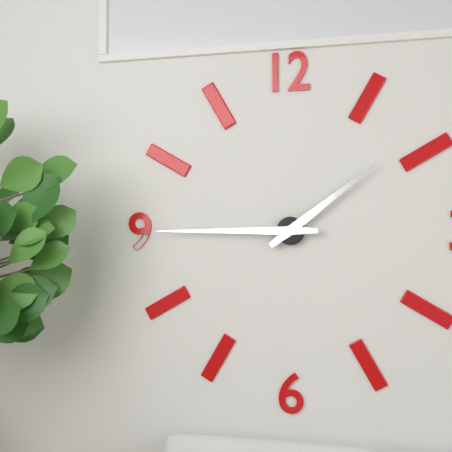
1:45
